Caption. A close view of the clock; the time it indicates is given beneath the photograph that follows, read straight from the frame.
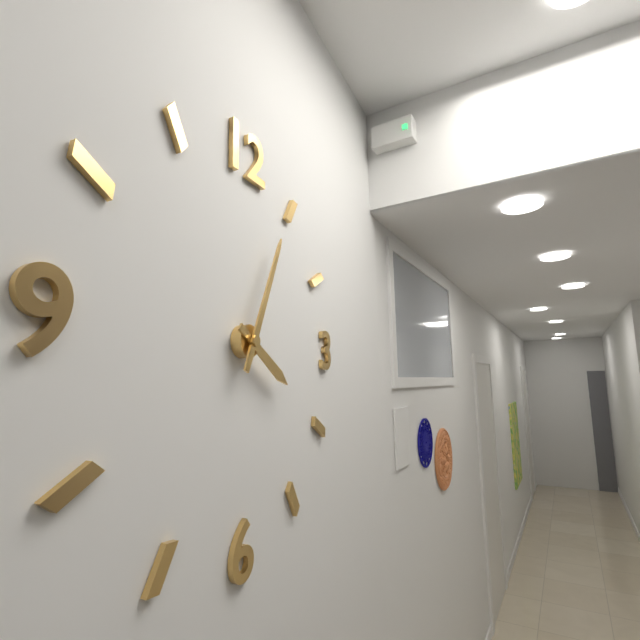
4:04
